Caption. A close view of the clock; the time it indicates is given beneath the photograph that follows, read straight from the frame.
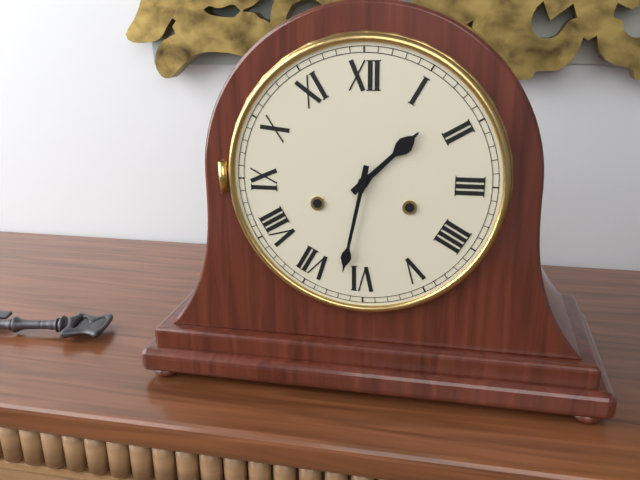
1:32
